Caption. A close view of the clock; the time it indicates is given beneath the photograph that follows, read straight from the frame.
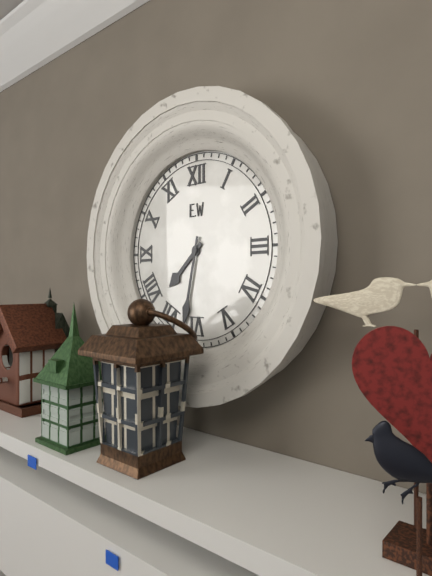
7:32
